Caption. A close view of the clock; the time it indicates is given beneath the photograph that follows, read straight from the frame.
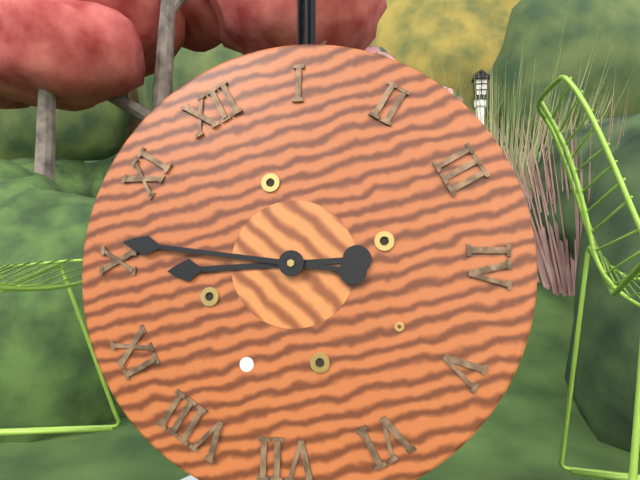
9:51
